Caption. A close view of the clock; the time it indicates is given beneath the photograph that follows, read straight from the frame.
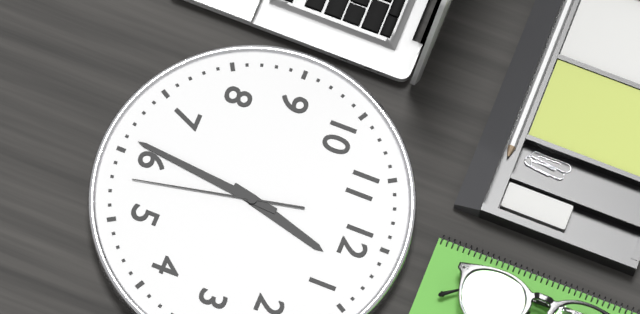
12:31:28
